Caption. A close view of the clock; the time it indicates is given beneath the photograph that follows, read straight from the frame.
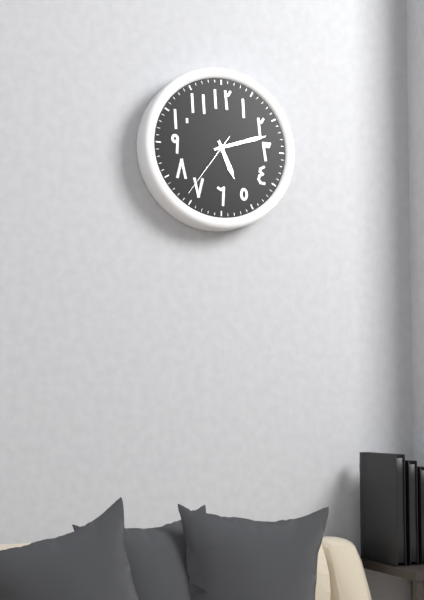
5:12:36
